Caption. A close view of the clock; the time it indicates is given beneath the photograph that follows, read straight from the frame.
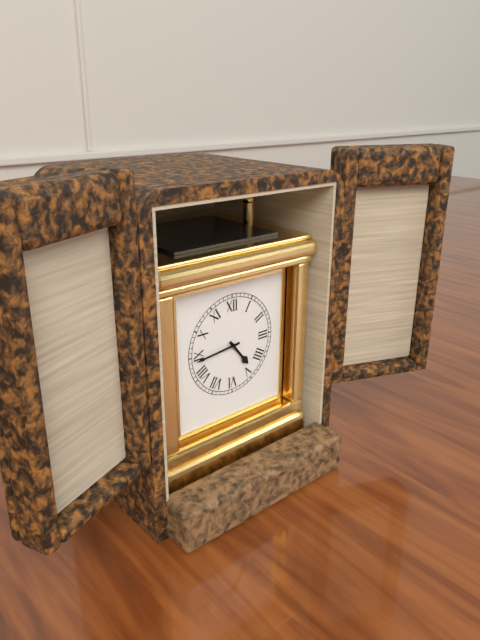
4:44
